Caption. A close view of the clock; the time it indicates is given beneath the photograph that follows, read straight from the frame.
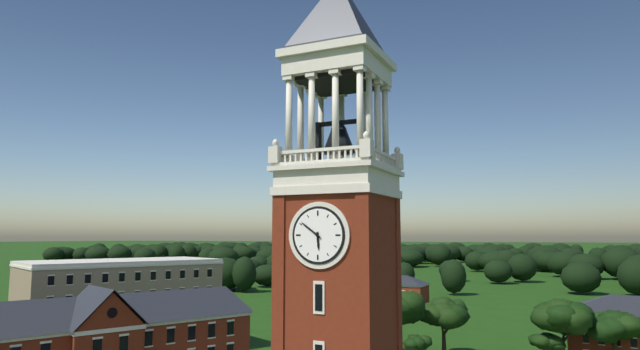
5:51
